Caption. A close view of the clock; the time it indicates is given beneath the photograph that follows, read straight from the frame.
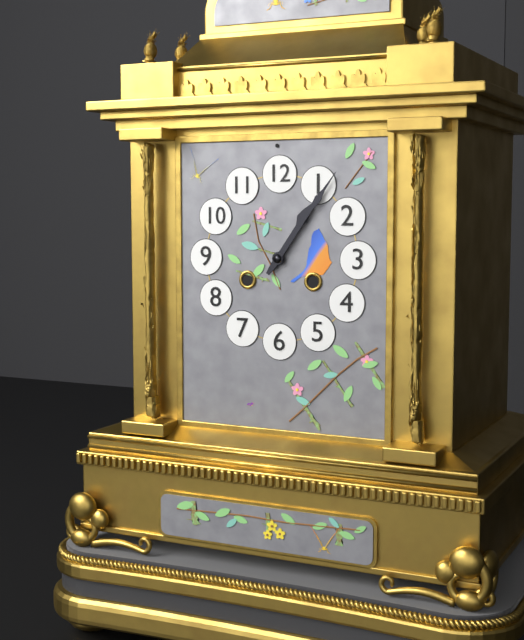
1:06
